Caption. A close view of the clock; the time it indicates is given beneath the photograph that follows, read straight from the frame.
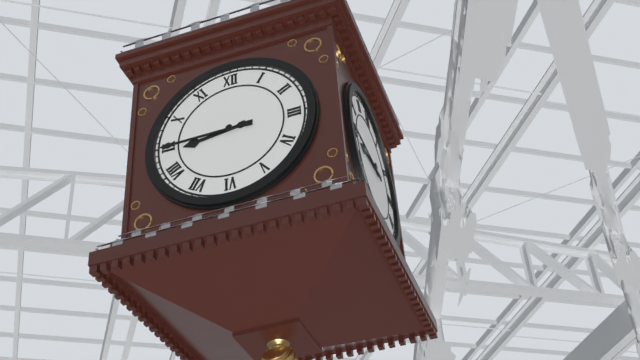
8:45
